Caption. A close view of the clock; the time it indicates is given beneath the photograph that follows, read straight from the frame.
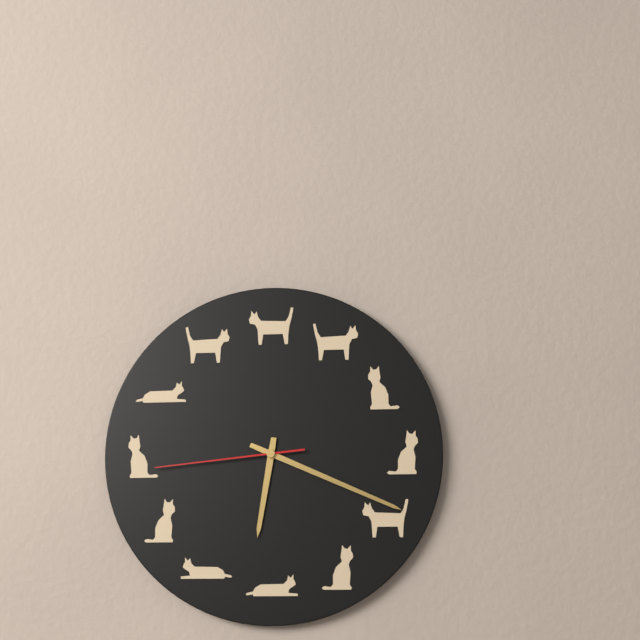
6:19:44
